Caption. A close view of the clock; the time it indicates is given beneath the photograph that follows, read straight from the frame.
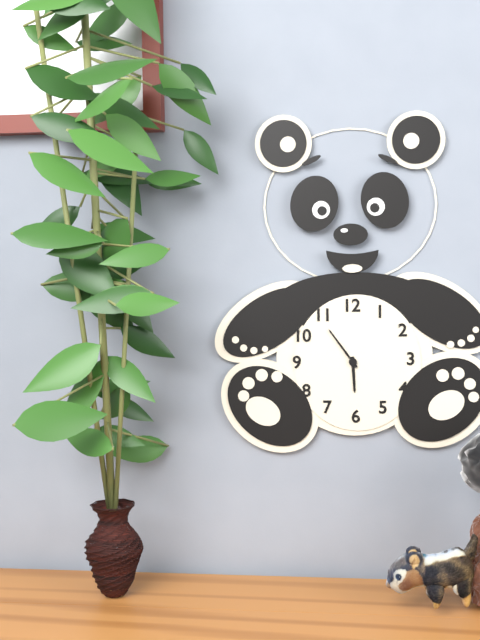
5:54
